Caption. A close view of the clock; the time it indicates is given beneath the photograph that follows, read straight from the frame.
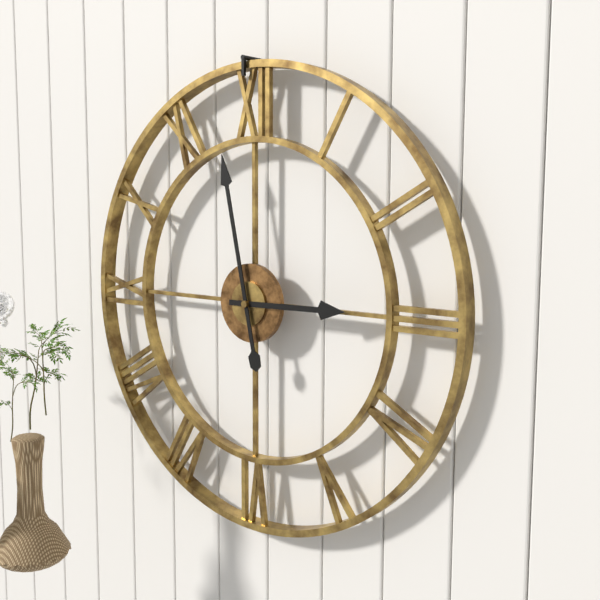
2:58
